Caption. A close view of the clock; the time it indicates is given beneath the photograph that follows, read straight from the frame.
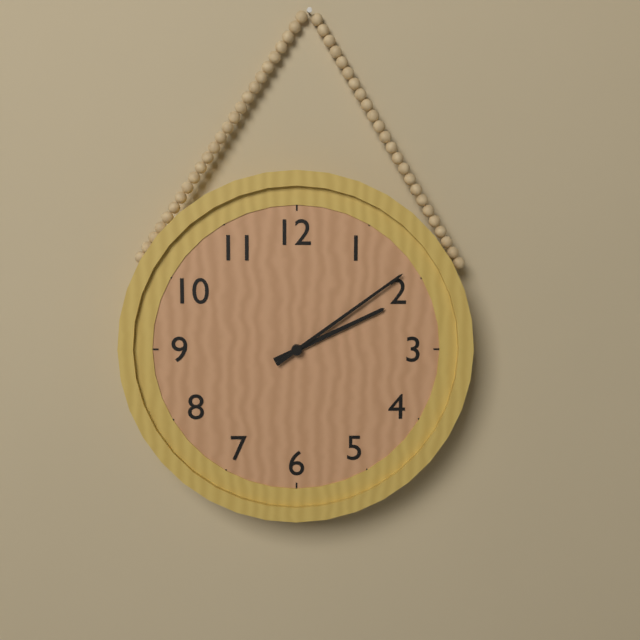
2:09
